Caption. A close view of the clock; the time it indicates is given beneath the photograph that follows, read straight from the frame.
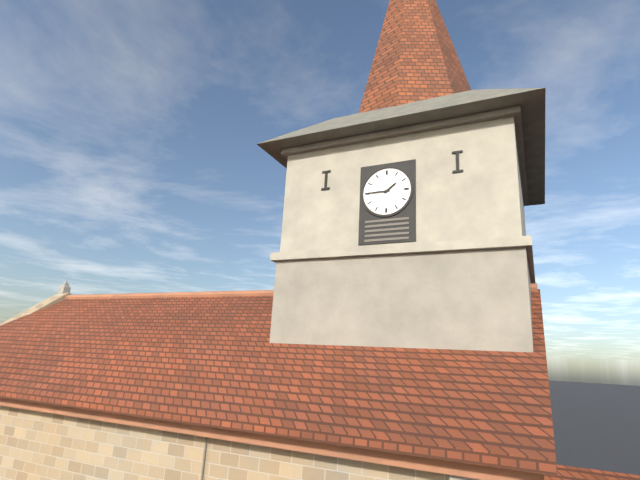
1:45
